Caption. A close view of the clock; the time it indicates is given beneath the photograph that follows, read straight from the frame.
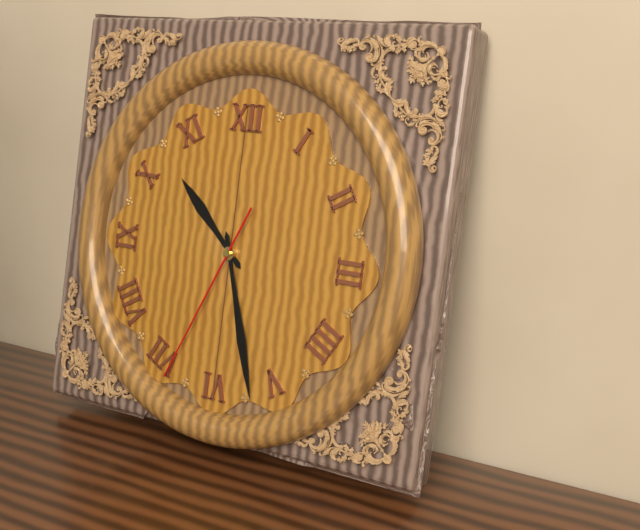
10:27:34
